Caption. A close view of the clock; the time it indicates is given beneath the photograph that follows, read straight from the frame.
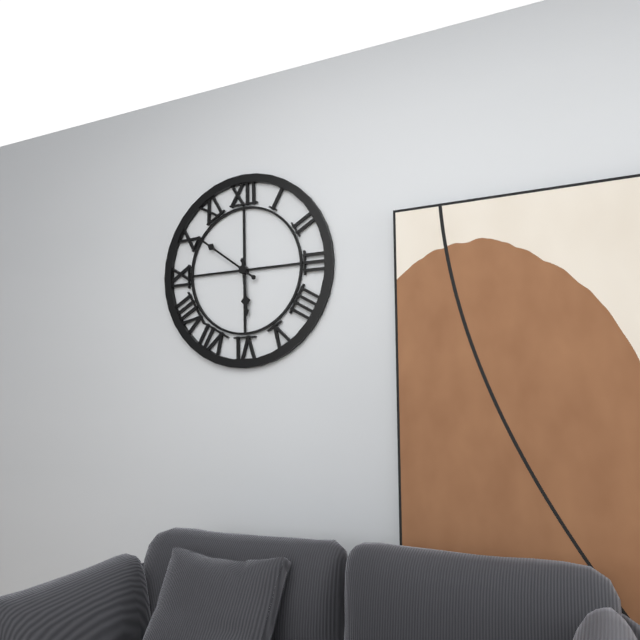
5:51
